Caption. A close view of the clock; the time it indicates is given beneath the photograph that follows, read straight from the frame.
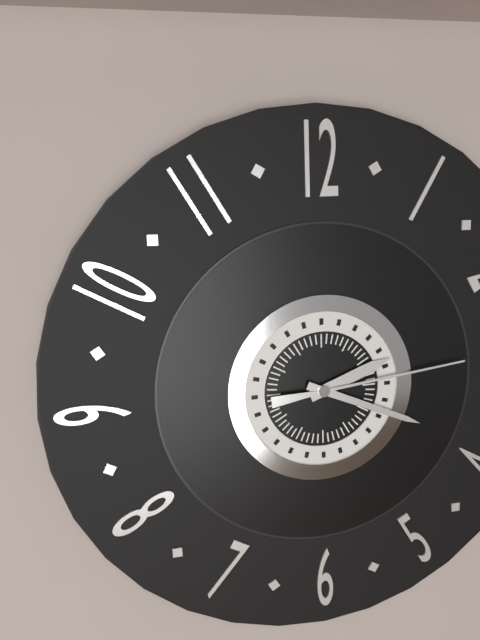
2:19:14
